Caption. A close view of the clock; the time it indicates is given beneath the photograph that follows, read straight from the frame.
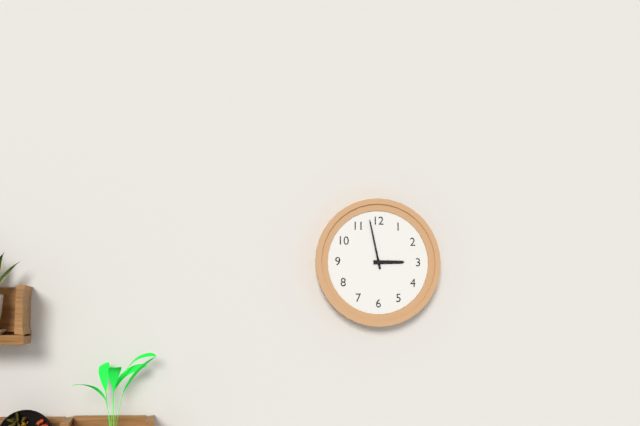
2:58
